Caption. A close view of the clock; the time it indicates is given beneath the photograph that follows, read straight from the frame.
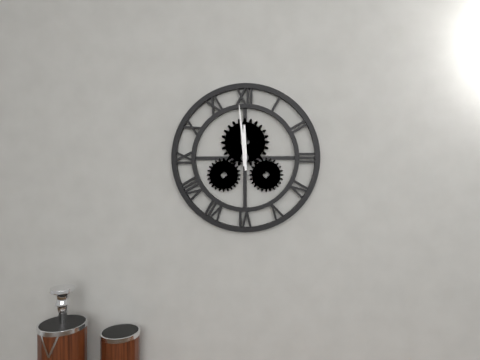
11:59
